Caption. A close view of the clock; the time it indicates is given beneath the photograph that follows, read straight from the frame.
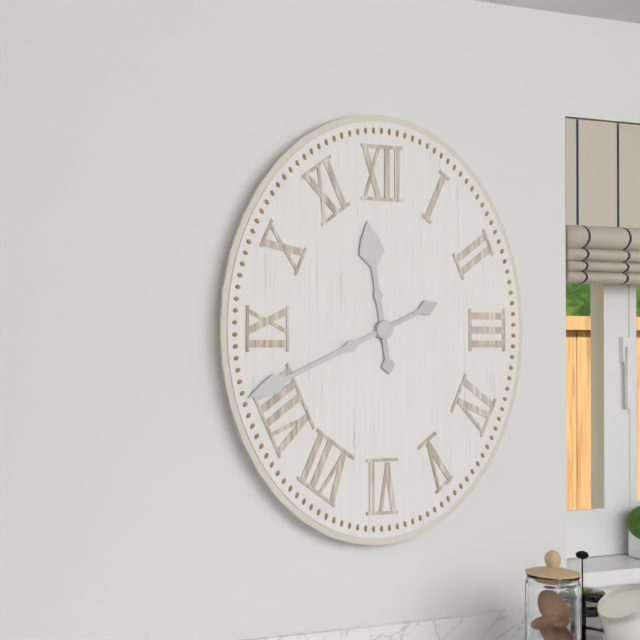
11:41
